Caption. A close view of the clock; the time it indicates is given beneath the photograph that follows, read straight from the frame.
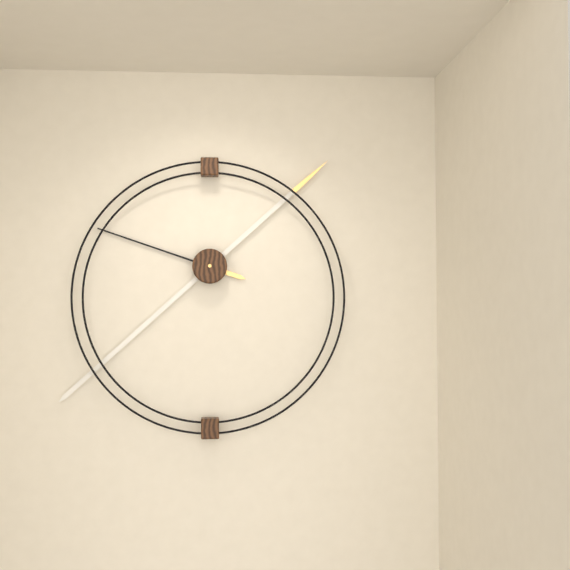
9:38
